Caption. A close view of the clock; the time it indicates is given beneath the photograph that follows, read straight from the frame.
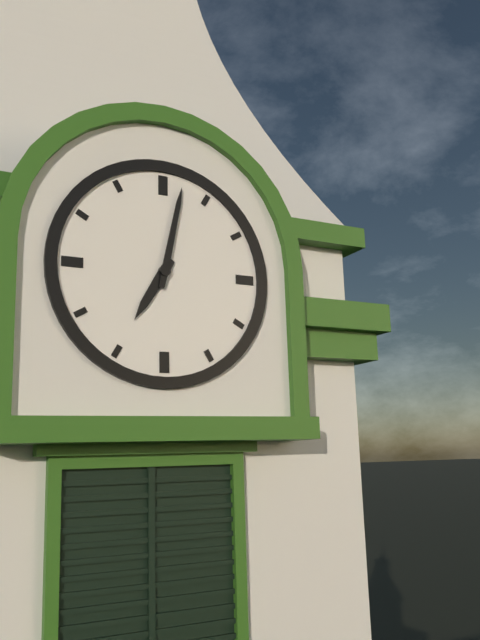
7:02
